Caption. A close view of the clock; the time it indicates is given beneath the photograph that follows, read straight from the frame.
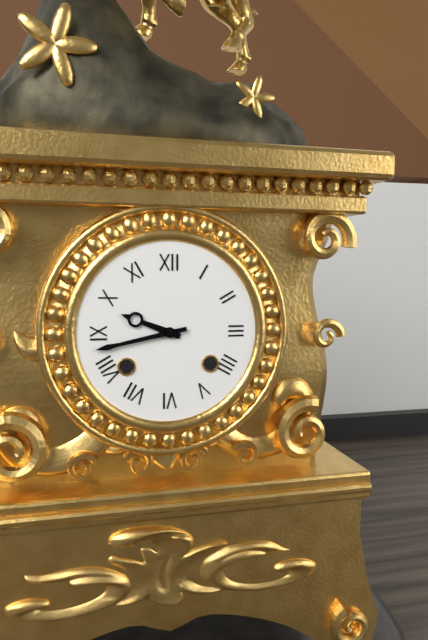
9:43
